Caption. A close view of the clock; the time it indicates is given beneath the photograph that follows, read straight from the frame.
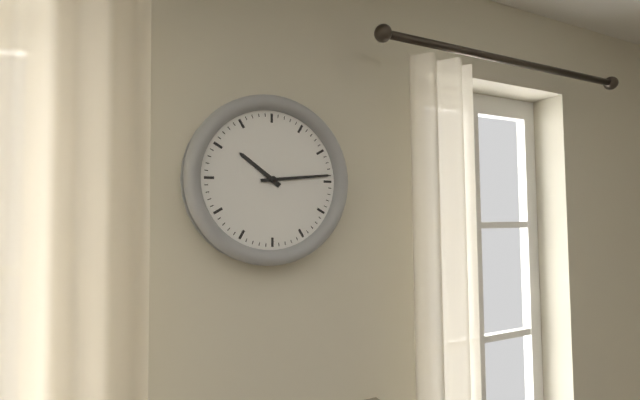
10:14
